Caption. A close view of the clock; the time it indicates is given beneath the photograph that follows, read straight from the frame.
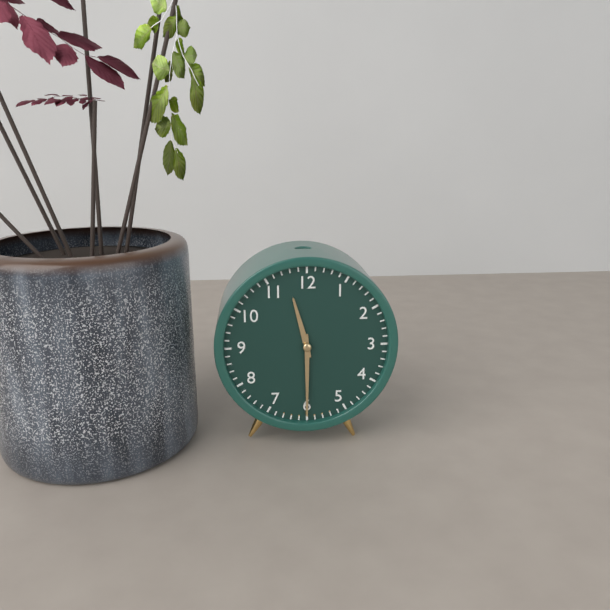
11:30
